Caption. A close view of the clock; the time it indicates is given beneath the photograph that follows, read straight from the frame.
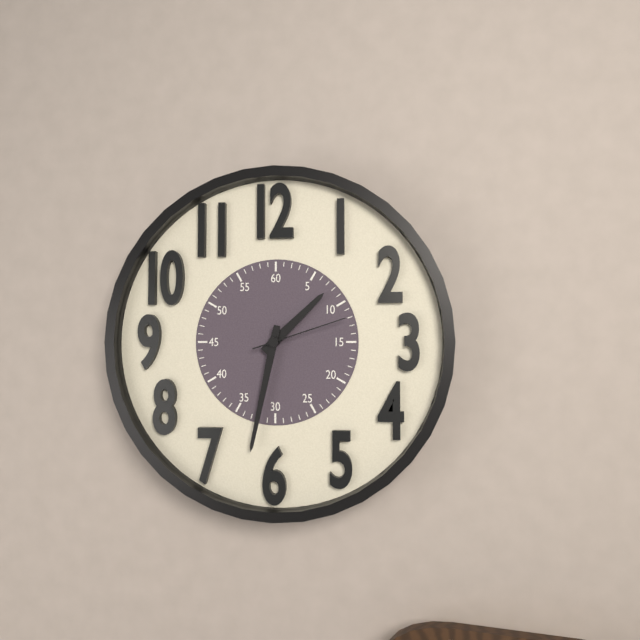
1:32:12
